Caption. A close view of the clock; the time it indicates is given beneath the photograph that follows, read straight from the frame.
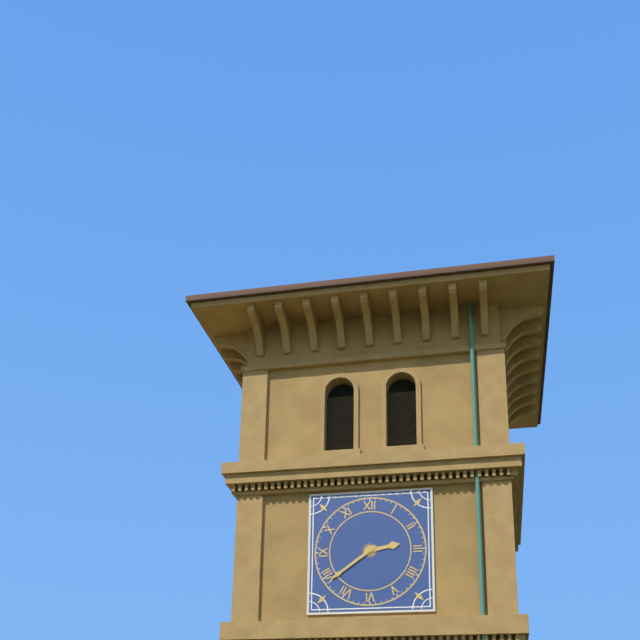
2:39
